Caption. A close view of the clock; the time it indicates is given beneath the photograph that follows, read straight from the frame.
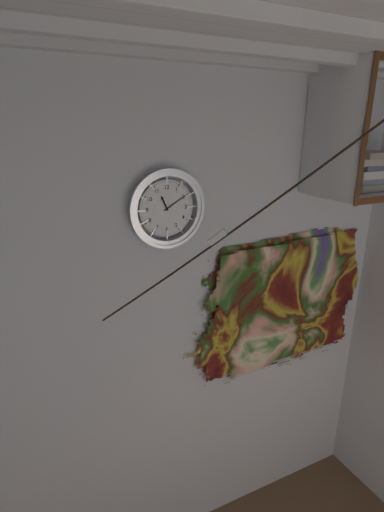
11:10
